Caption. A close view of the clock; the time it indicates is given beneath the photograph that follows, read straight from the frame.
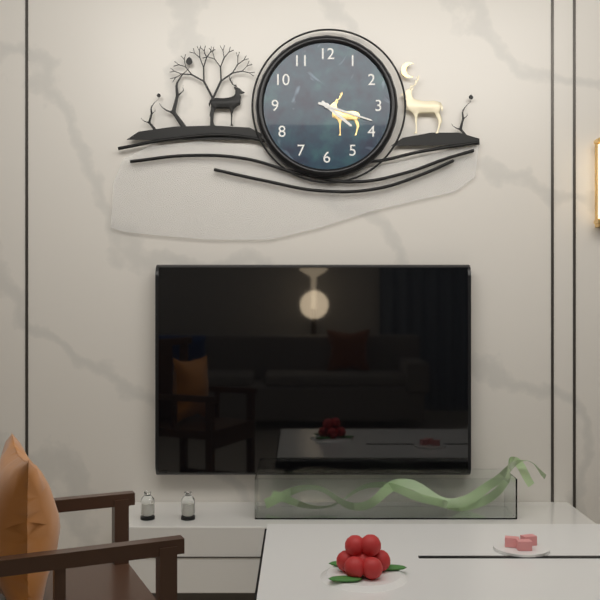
4:18
